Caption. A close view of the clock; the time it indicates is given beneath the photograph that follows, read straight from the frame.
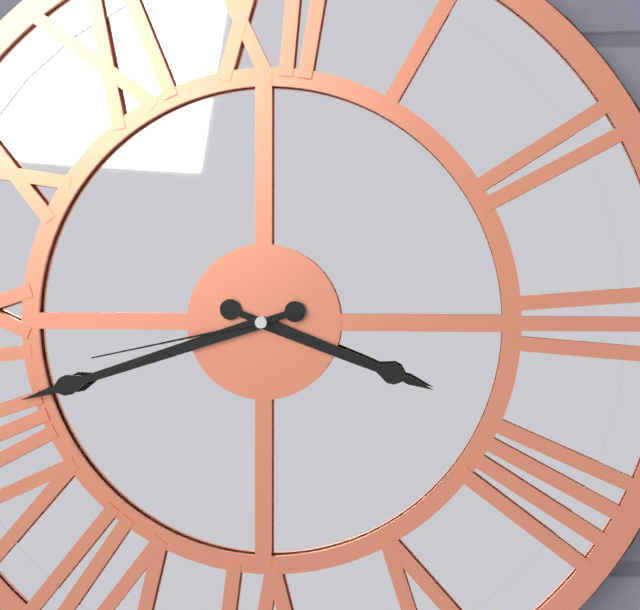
3:42:43
